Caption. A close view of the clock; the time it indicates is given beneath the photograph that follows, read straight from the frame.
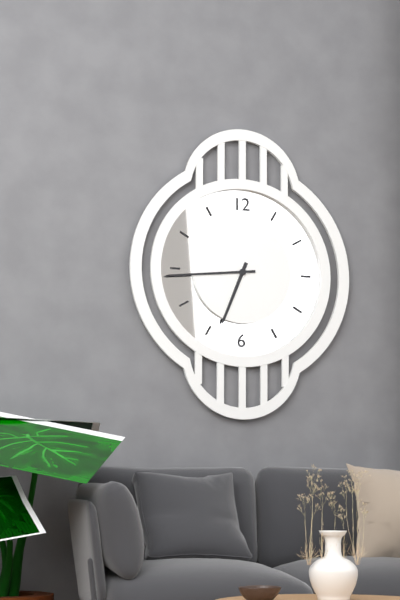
6:44
